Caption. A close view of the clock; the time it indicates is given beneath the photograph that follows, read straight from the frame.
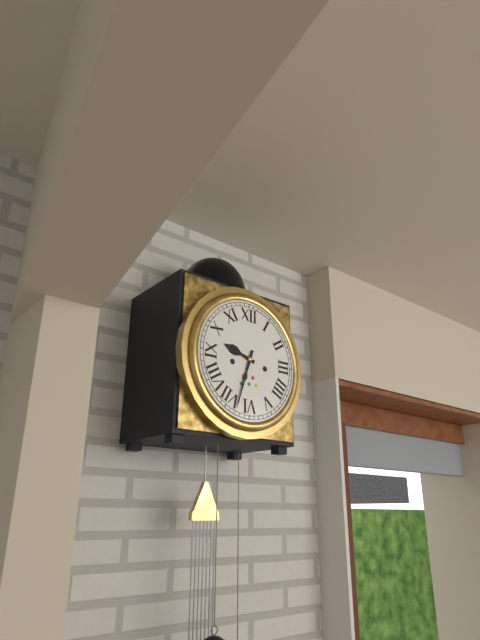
9:33
